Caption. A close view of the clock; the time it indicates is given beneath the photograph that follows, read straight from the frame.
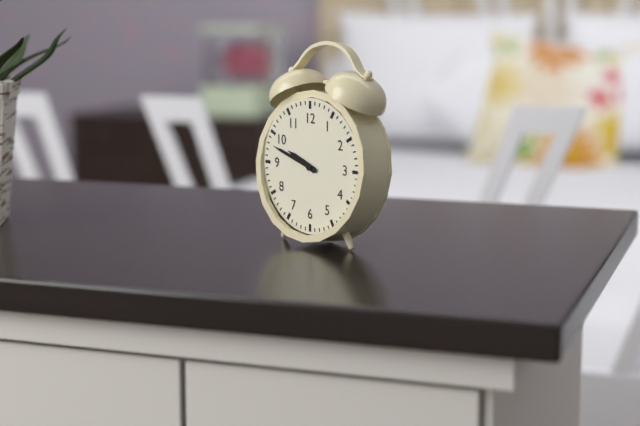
9:48
